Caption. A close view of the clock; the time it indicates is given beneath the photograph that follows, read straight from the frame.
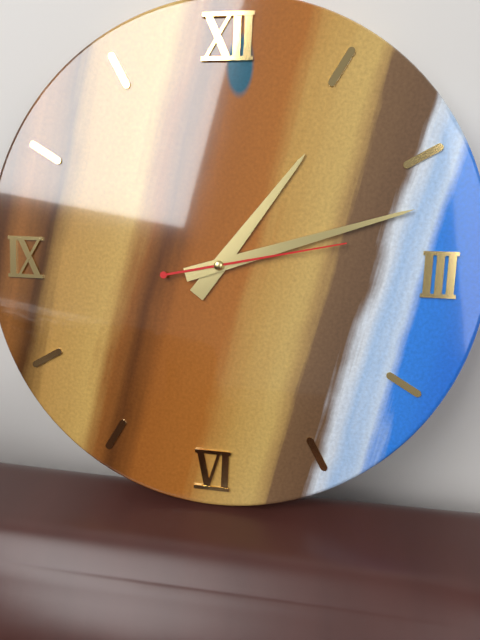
1:12:13
